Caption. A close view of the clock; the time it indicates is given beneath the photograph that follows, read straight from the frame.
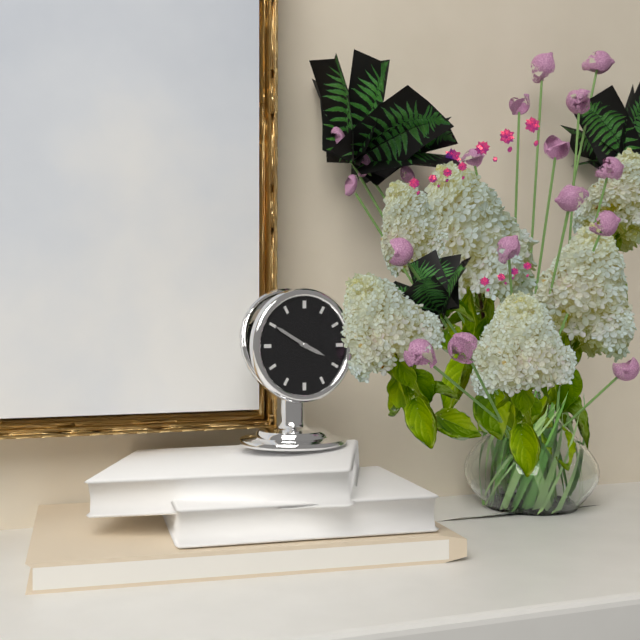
3:50
